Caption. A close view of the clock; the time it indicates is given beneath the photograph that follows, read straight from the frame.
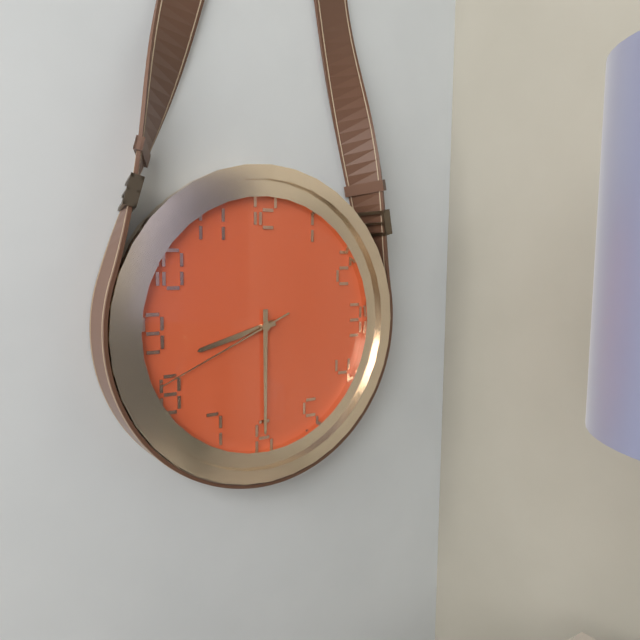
8:30:41
